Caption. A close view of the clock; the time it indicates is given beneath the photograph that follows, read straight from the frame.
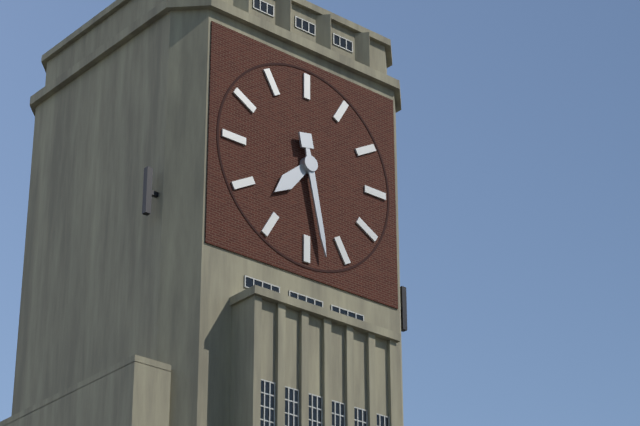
7:28
